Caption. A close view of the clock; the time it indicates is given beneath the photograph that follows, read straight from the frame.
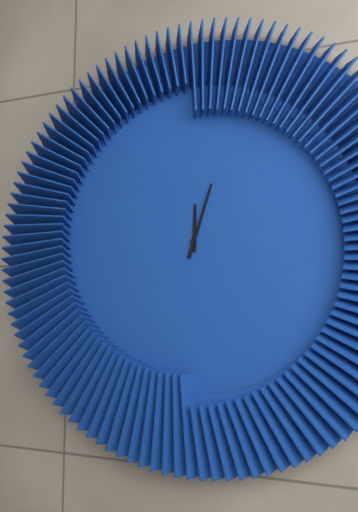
12:03
